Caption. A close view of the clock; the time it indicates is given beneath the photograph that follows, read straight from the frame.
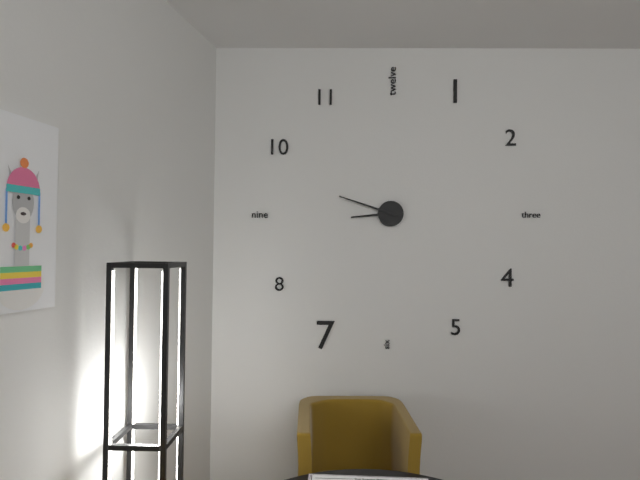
8:48
